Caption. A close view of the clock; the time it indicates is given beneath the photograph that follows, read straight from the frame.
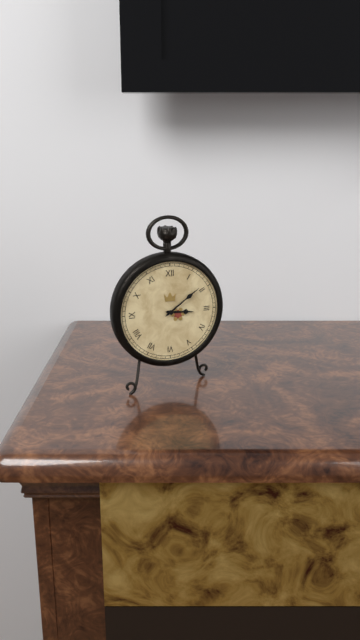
3:09
